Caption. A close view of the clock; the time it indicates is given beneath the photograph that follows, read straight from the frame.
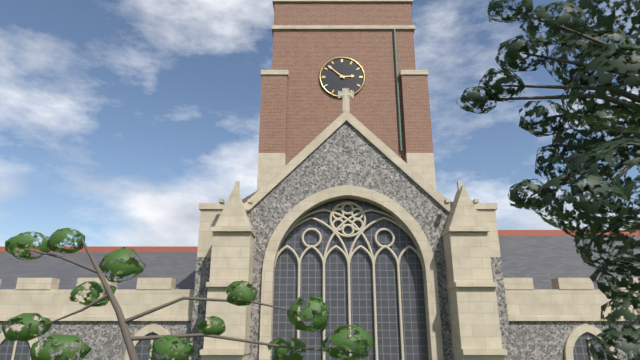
2:52
